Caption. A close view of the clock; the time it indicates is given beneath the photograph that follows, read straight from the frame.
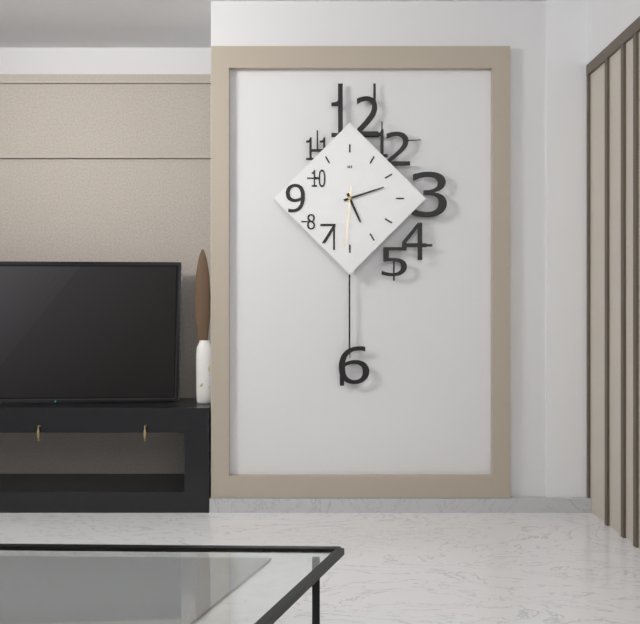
5:12:31
